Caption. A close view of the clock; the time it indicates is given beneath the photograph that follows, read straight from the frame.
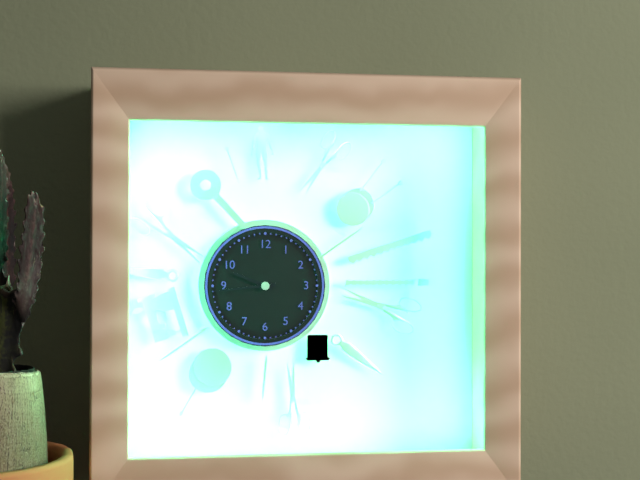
9:44
